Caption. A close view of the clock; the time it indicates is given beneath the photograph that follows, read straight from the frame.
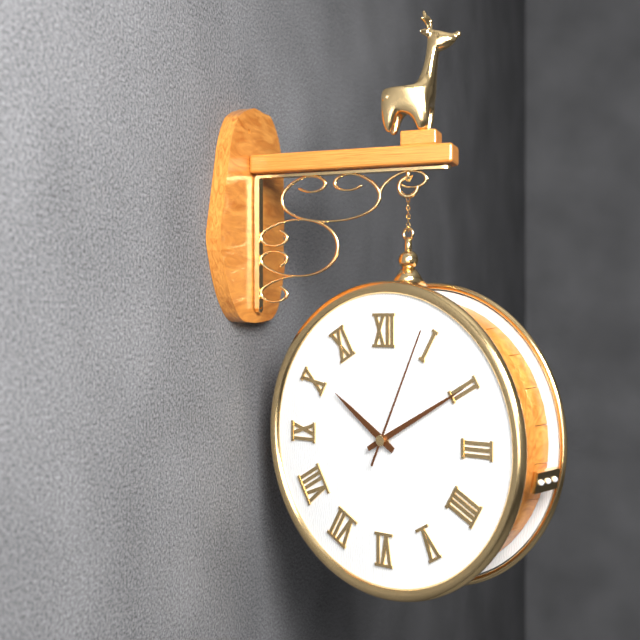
10:10:04
